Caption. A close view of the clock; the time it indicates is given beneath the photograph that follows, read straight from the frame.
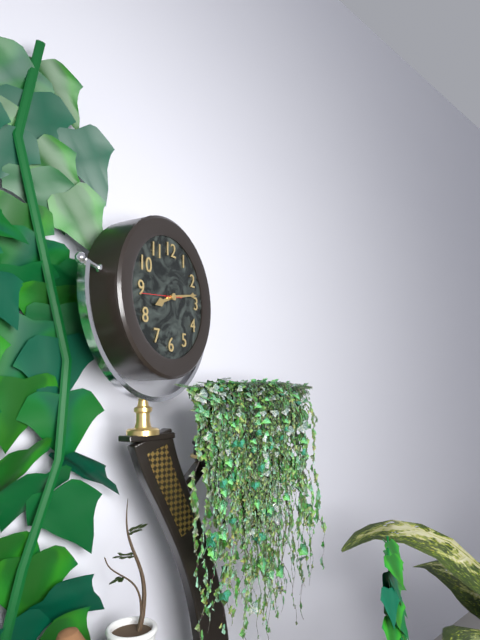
8:13
